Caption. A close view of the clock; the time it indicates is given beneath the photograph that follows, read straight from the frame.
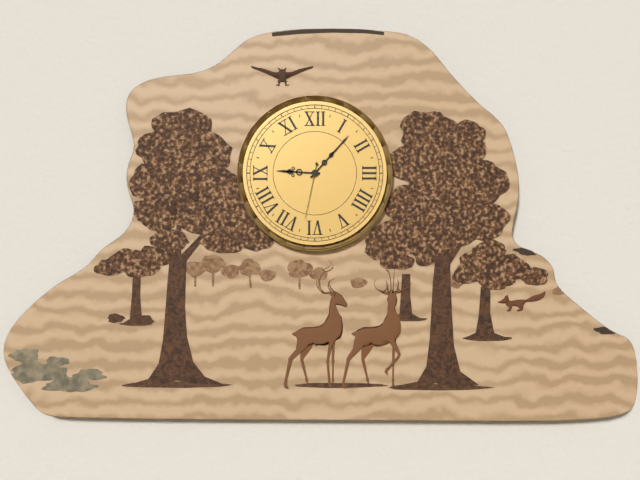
9:07:32
